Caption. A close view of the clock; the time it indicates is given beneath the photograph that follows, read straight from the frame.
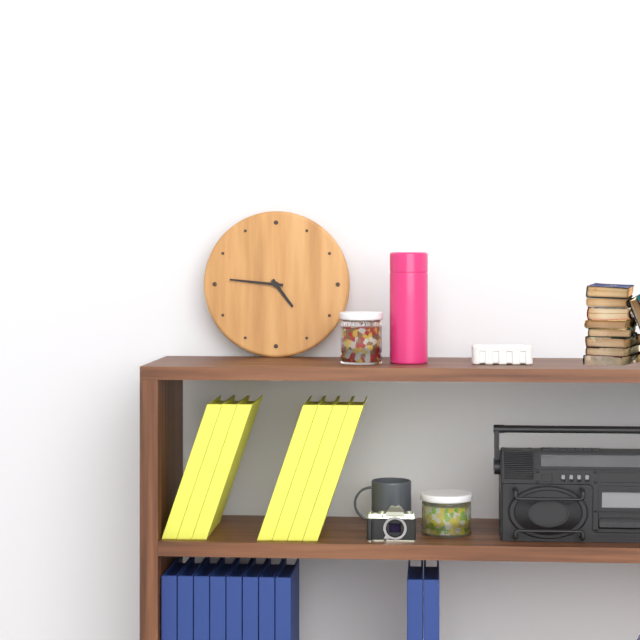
4:46
